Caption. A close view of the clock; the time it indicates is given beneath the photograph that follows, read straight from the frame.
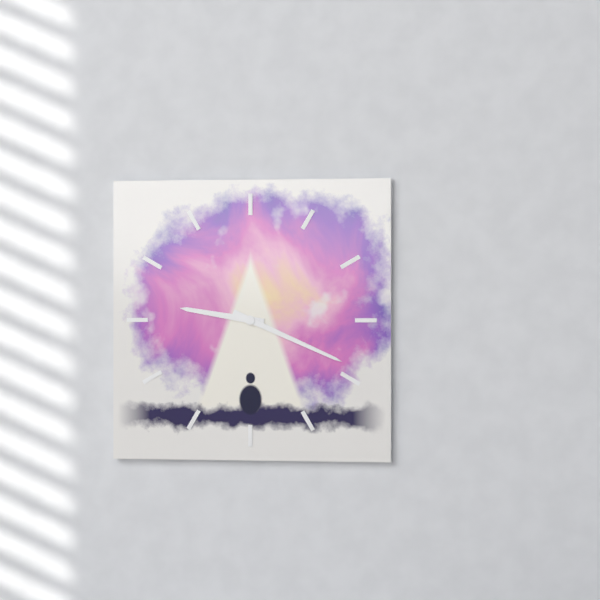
9:19
